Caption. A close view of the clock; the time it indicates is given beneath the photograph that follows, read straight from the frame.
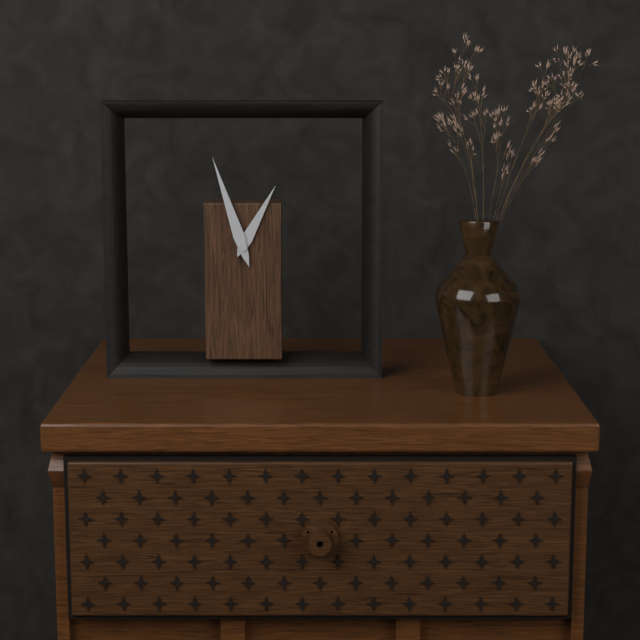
12:57
